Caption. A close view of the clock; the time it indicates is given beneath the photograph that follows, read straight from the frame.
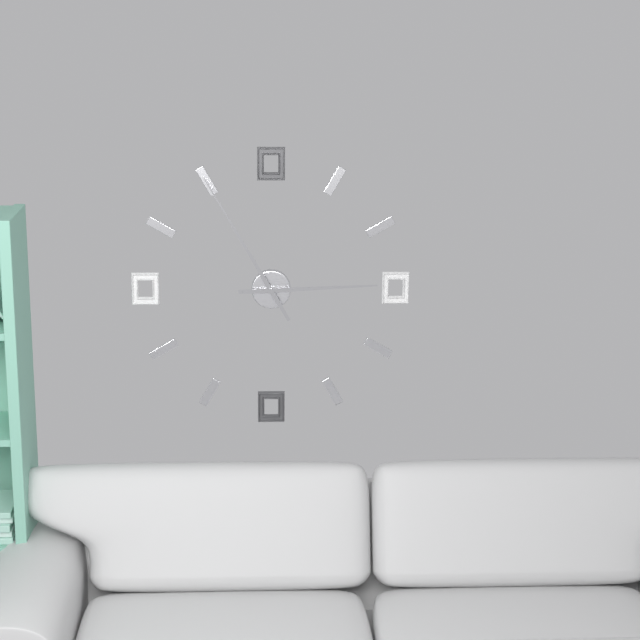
2:55
